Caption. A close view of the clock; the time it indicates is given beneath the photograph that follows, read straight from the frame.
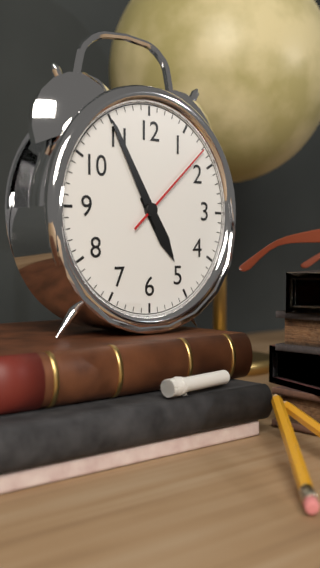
4:55:08
